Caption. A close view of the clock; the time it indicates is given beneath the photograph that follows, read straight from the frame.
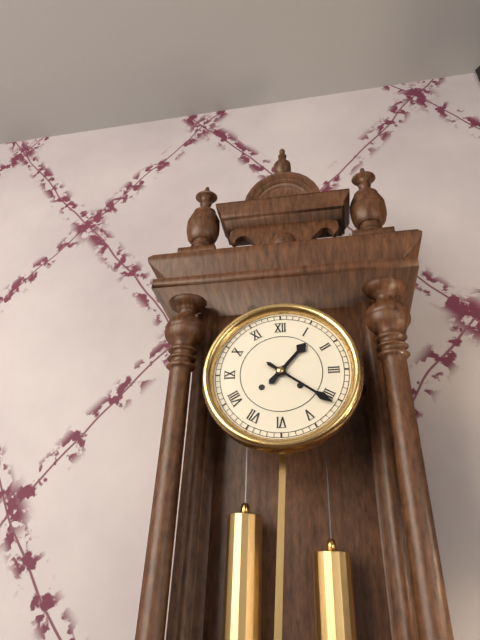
1:21
